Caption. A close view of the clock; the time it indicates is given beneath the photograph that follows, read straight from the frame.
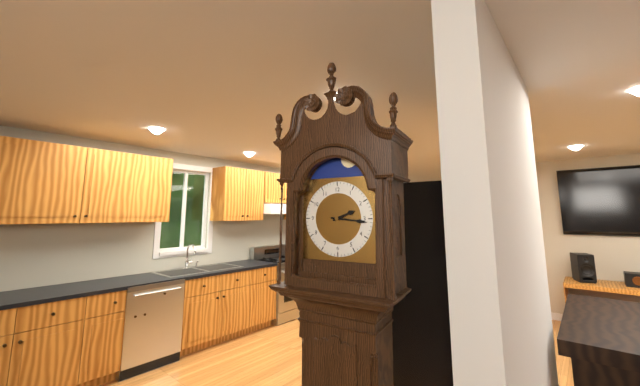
2:16
